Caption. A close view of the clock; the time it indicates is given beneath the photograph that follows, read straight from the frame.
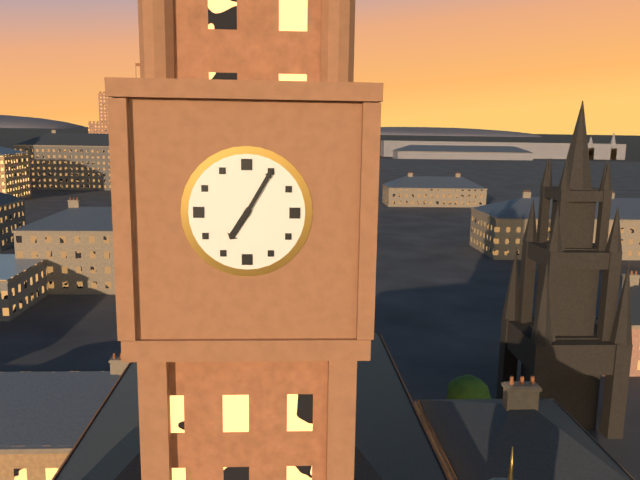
7:05
